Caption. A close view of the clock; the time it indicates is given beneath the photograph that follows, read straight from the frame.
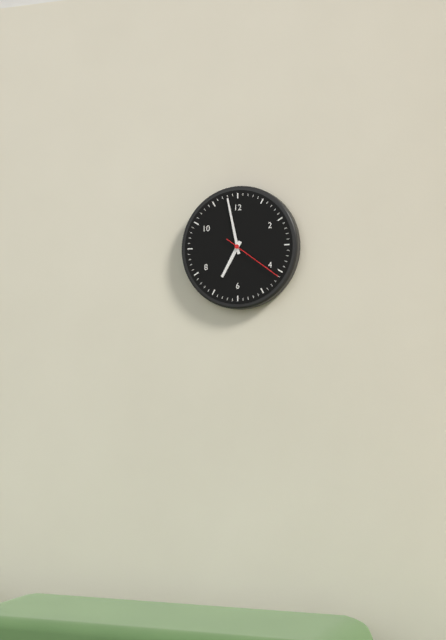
6:58:21
